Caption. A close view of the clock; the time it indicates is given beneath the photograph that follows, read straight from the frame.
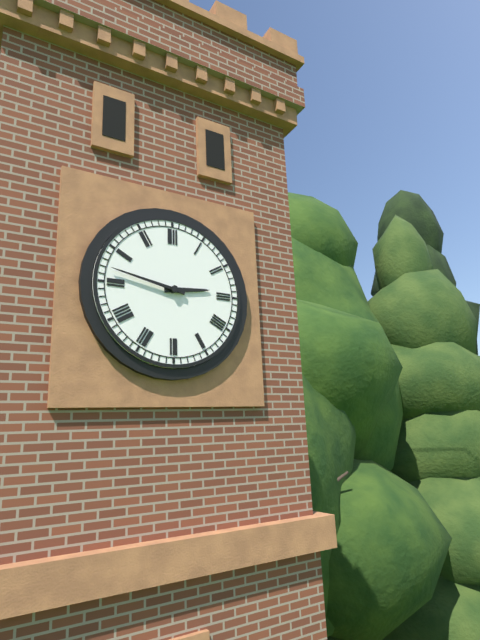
2:47
